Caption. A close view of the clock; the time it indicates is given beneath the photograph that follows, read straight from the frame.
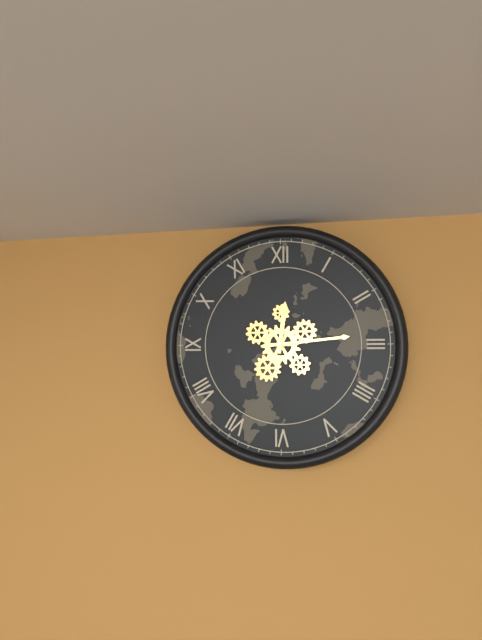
12:14
